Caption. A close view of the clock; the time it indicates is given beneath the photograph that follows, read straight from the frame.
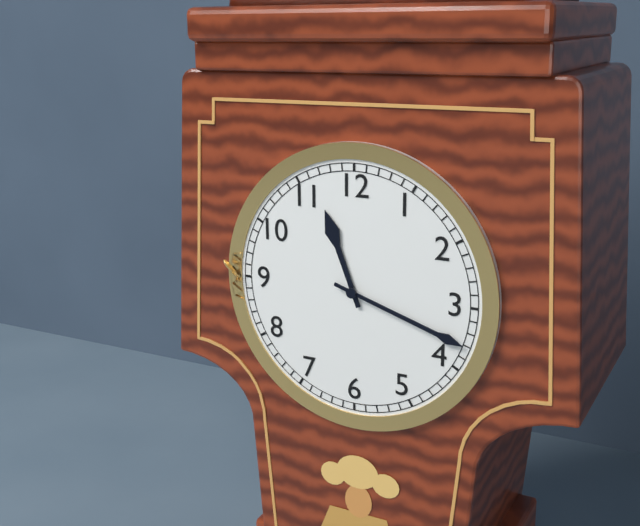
11:18
